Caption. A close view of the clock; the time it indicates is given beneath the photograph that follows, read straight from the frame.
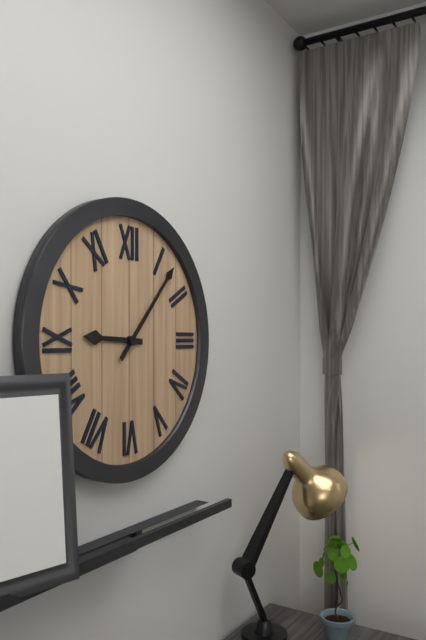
9:07
